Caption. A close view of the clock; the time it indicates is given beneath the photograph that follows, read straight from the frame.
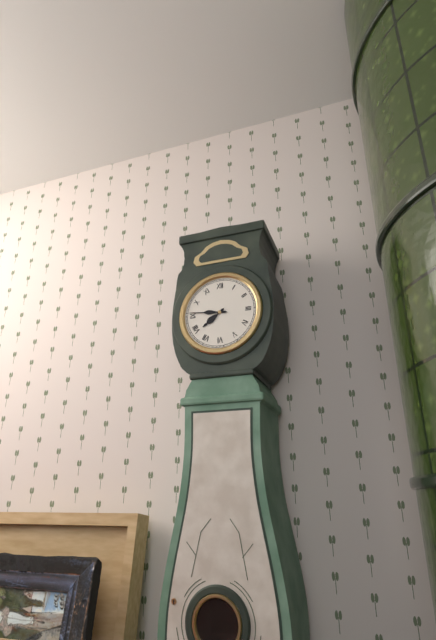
7:46
